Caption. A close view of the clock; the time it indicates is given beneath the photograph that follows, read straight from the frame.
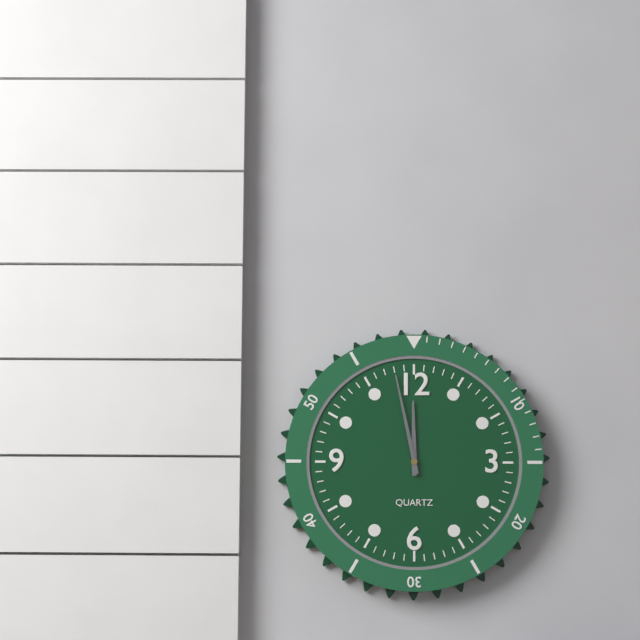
11:58
